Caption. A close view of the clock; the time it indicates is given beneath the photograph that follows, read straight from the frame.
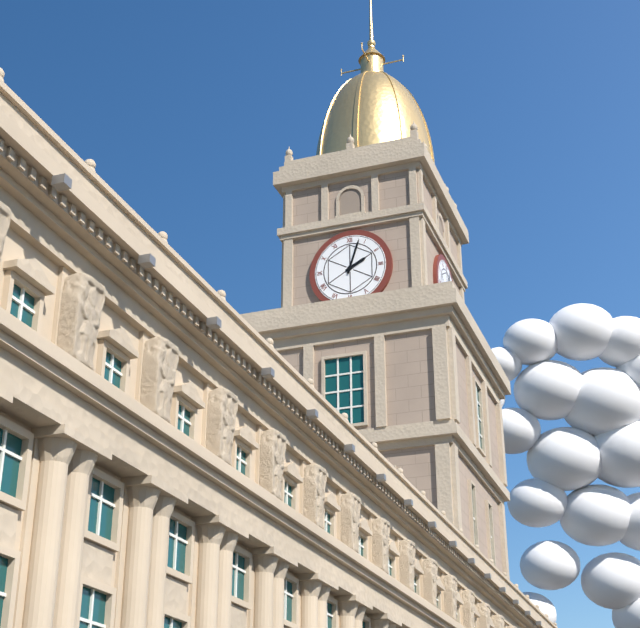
2:03
